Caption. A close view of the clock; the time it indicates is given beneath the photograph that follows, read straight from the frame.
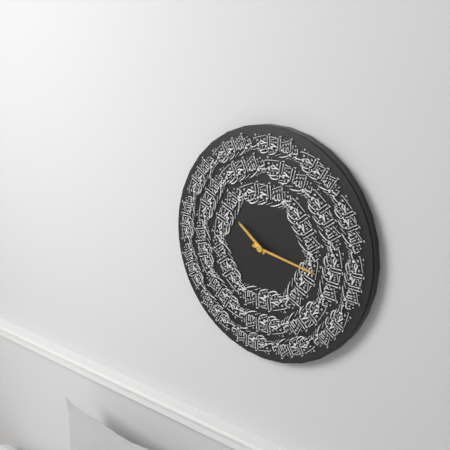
10:17
